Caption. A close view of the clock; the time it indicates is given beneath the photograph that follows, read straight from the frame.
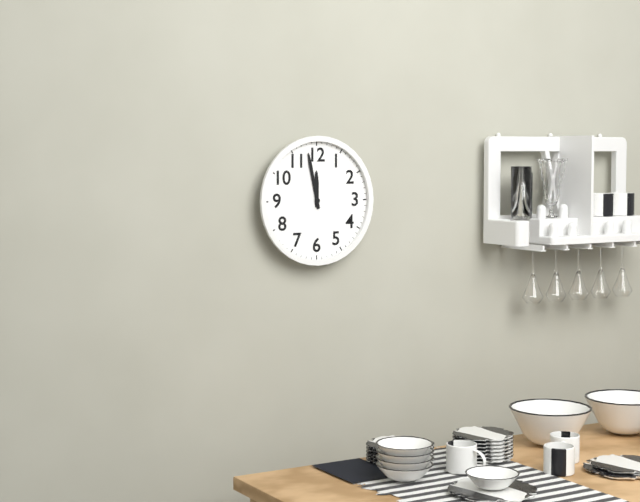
11:58
